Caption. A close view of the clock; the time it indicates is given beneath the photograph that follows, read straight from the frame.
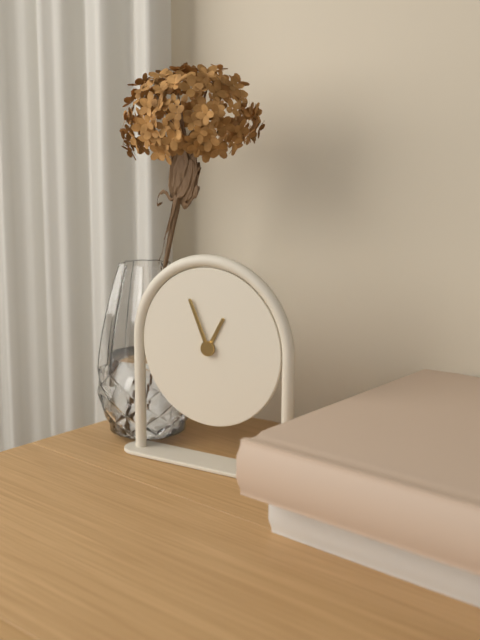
12:56
